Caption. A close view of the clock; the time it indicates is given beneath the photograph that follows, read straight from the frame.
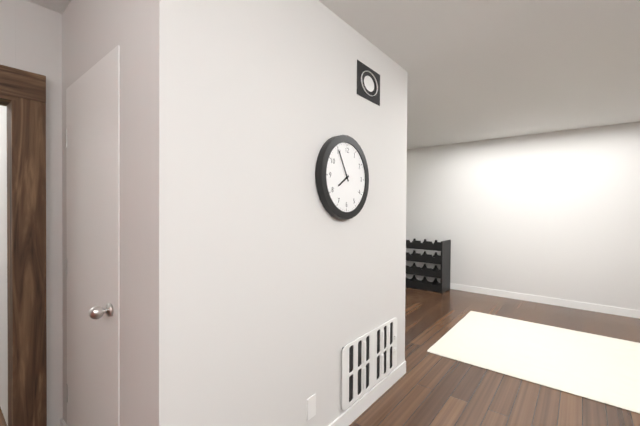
7:55
